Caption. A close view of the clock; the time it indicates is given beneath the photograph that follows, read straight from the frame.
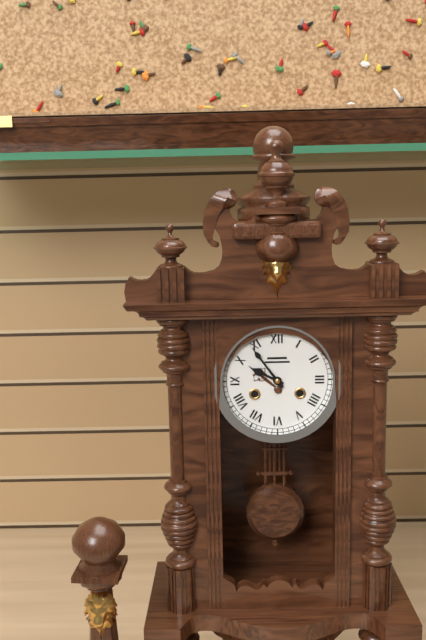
9:54
